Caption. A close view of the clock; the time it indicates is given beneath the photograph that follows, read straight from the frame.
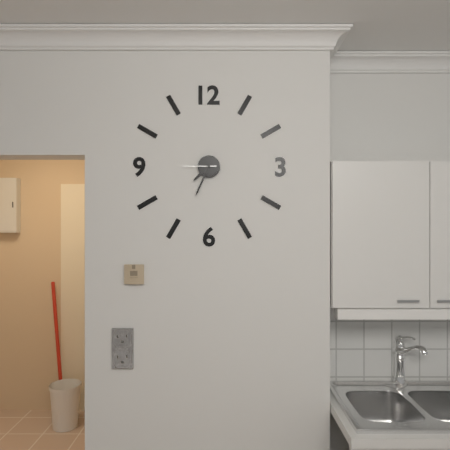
7:34
